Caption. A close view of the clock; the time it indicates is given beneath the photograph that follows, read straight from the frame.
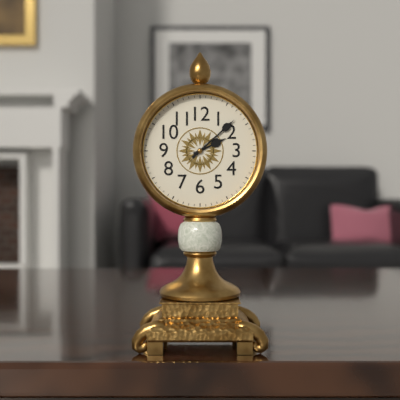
2:08
